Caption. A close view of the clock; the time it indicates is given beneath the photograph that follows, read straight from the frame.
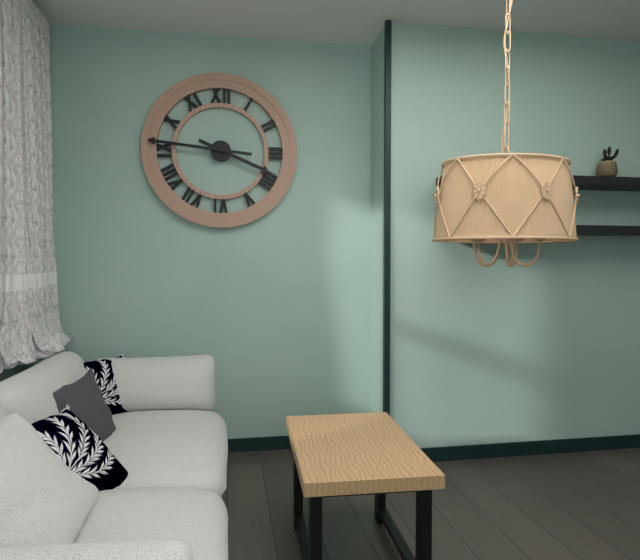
3:46
